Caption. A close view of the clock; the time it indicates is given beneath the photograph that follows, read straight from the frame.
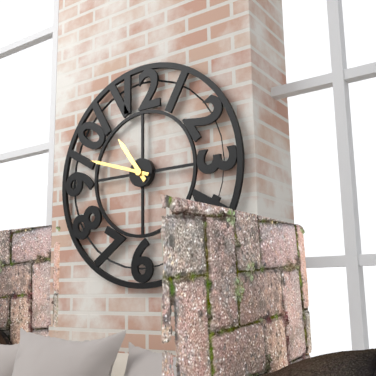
10:48
